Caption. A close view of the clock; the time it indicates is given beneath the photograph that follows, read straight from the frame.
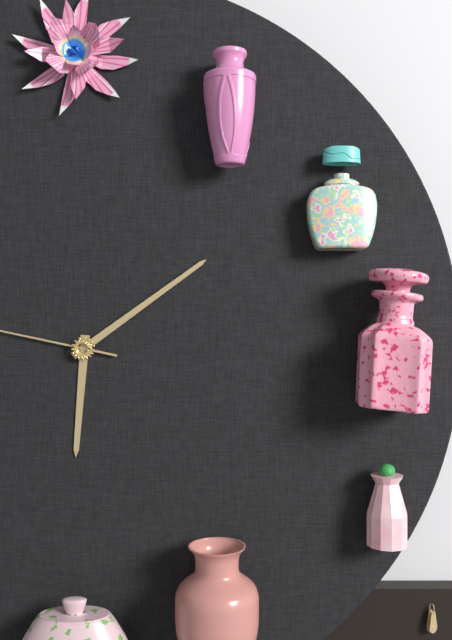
6:09
